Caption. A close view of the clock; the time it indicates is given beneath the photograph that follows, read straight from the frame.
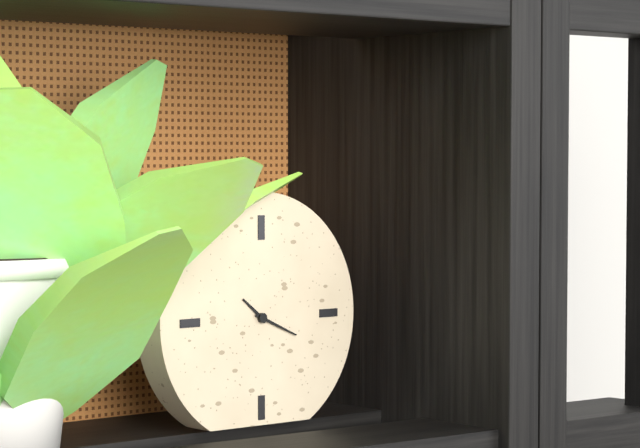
10:19
